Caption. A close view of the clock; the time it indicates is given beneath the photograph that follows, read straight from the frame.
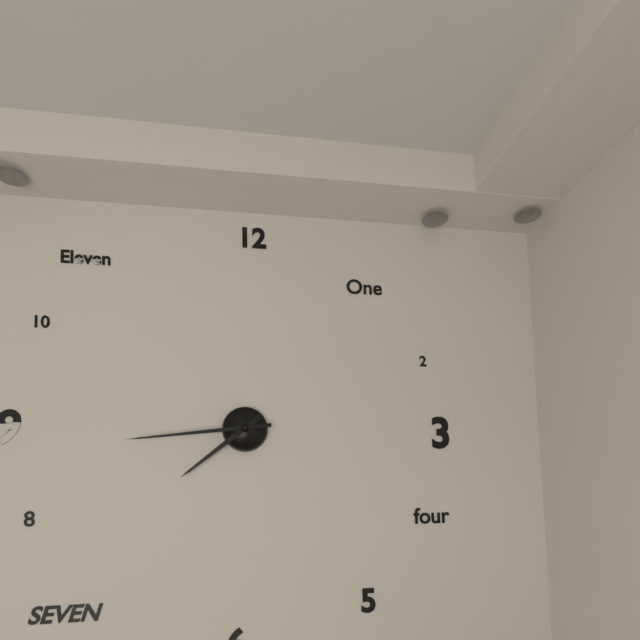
7:44
